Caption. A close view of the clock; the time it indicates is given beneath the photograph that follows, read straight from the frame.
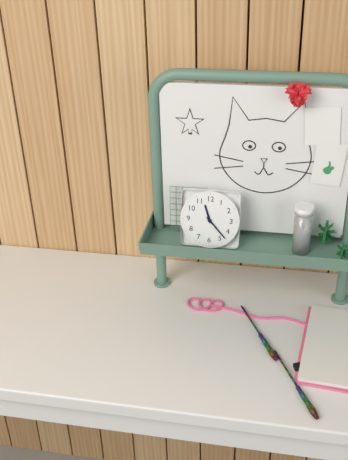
11:23
